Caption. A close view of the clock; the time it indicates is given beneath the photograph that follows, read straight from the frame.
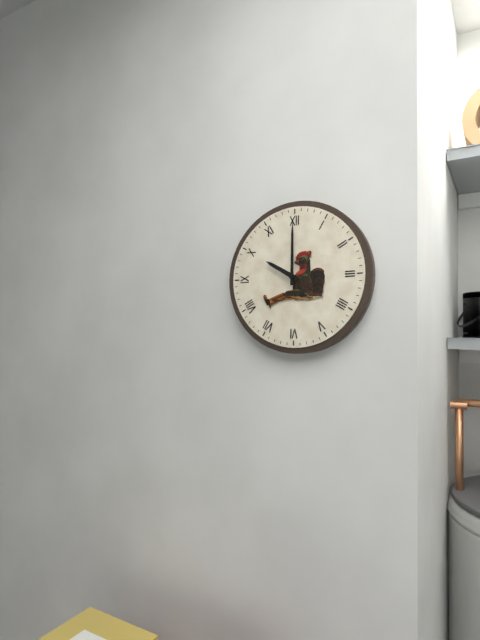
10:00
